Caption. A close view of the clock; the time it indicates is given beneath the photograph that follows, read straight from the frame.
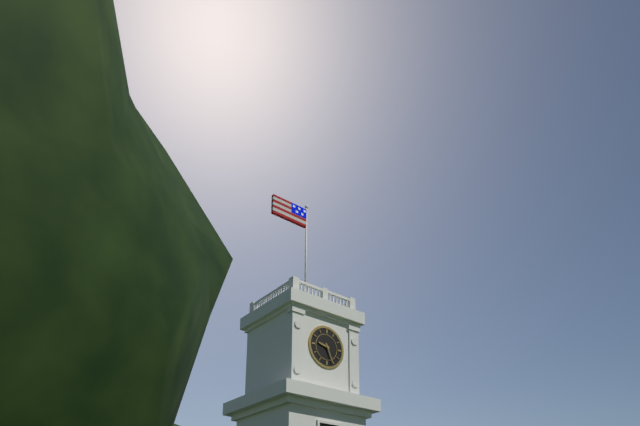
9:26
